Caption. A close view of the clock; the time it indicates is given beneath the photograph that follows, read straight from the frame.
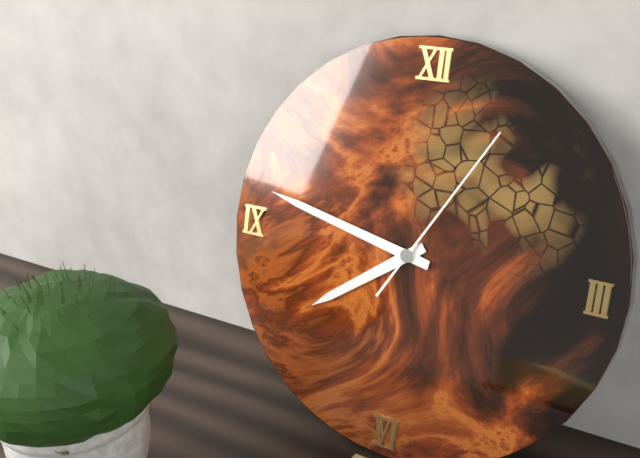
7:47:05
